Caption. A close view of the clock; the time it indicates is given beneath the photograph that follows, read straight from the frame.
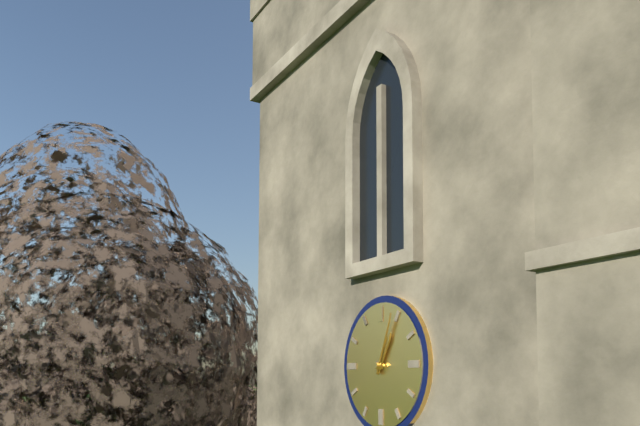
1:04
